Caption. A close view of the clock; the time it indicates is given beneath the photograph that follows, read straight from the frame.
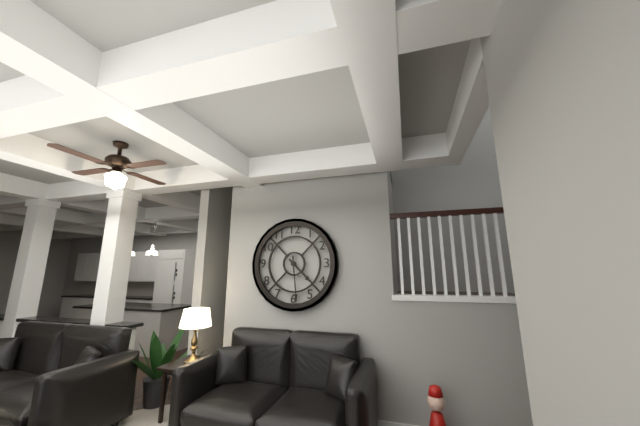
4:29
